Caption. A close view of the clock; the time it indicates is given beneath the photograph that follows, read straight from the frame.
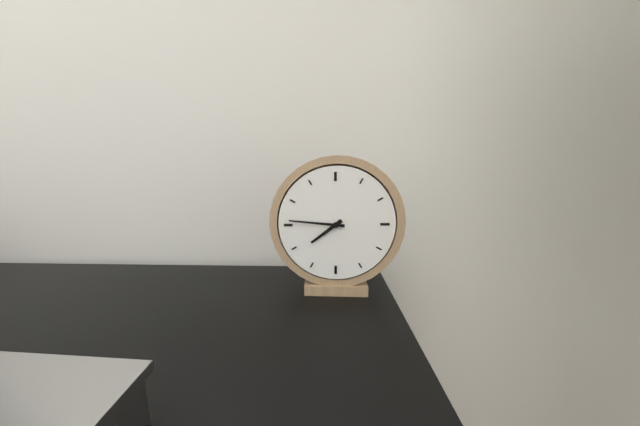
7:46
